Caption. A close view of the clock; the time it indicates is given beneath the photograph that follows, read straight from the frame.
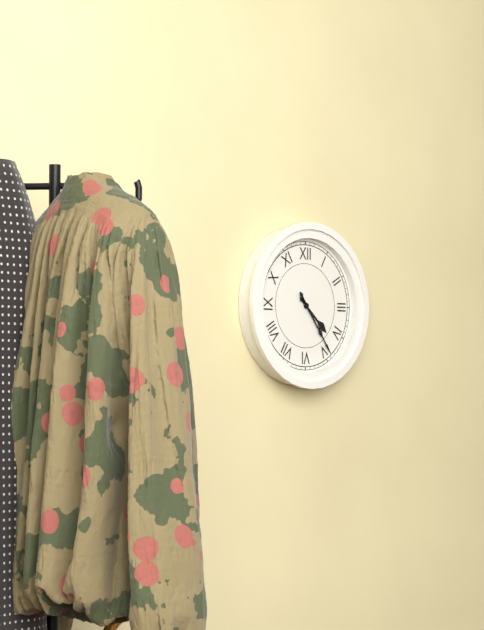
4:24
